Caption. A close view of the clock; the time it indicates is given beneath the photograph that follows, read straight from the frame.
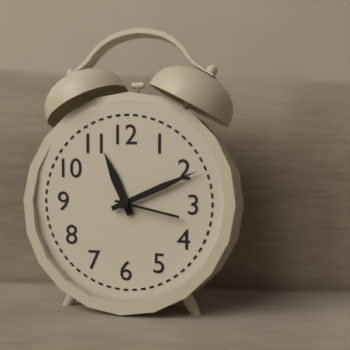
11:11:17
